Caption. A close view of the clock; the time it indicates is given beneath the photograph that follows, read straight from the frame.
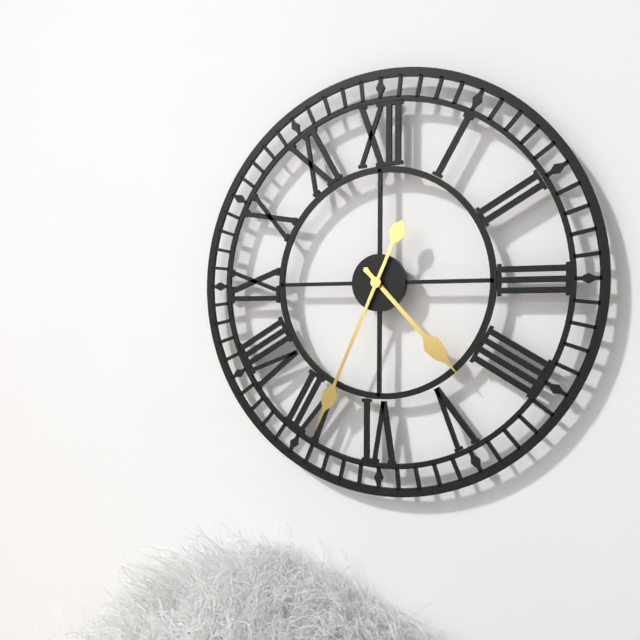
4:34
